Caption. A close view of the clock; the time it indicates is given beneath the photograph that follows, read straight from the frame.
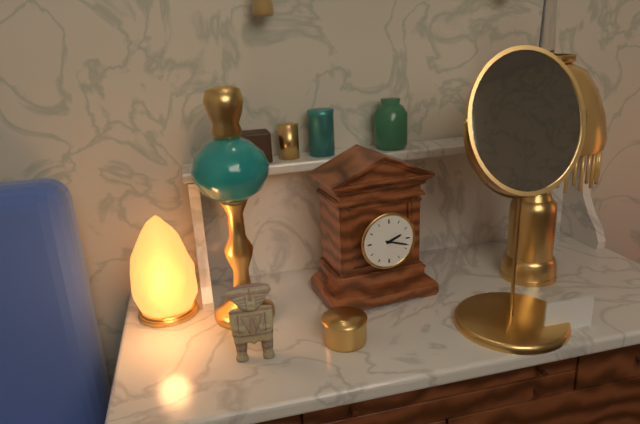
2:18
